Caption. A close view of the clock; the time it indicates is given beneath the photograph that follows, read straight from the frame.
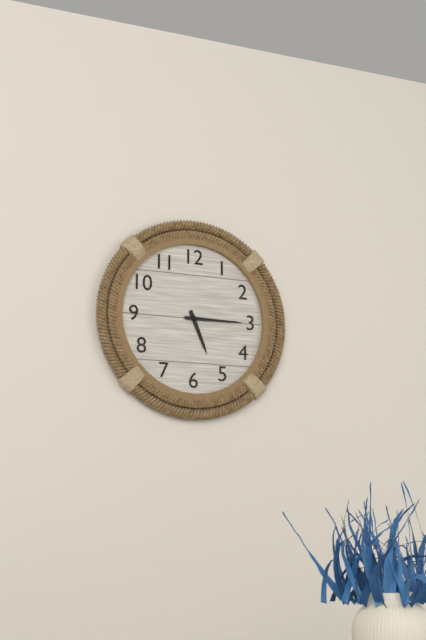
5:15
